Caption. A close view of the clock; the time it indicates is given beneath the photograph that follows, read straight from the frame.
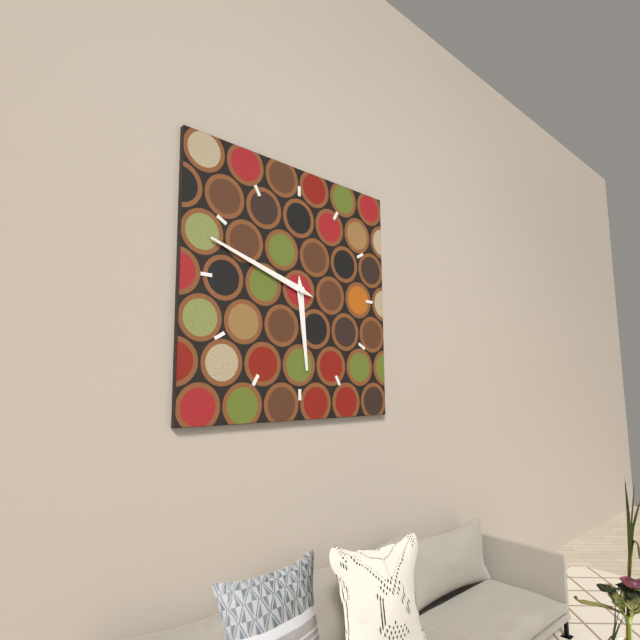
5:48
